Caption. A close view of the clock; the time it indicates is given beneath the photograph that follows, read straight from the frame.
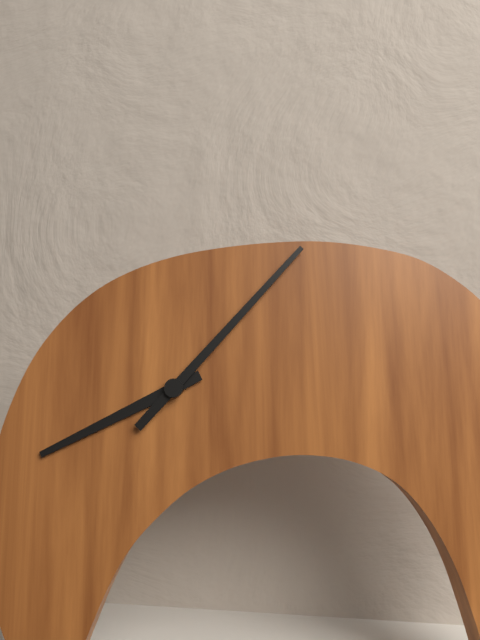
8:07
